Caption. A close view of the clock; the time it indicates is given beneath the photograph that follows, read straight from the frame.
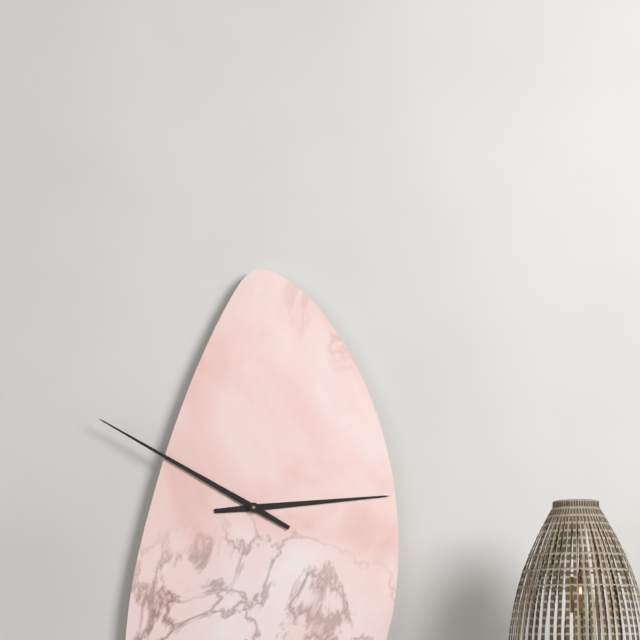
2:50
